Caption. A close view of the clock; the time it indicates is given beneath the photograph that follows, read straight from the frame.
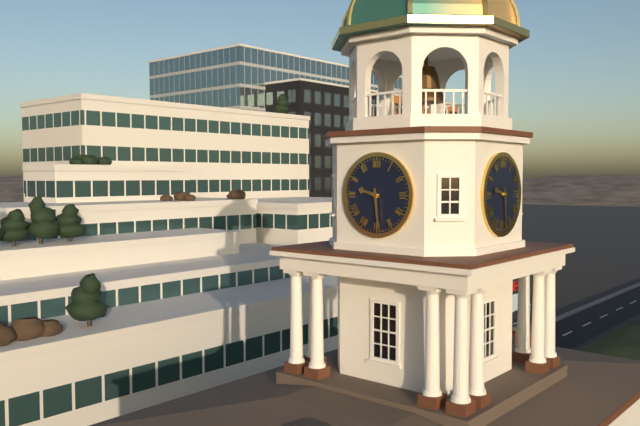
9:29
